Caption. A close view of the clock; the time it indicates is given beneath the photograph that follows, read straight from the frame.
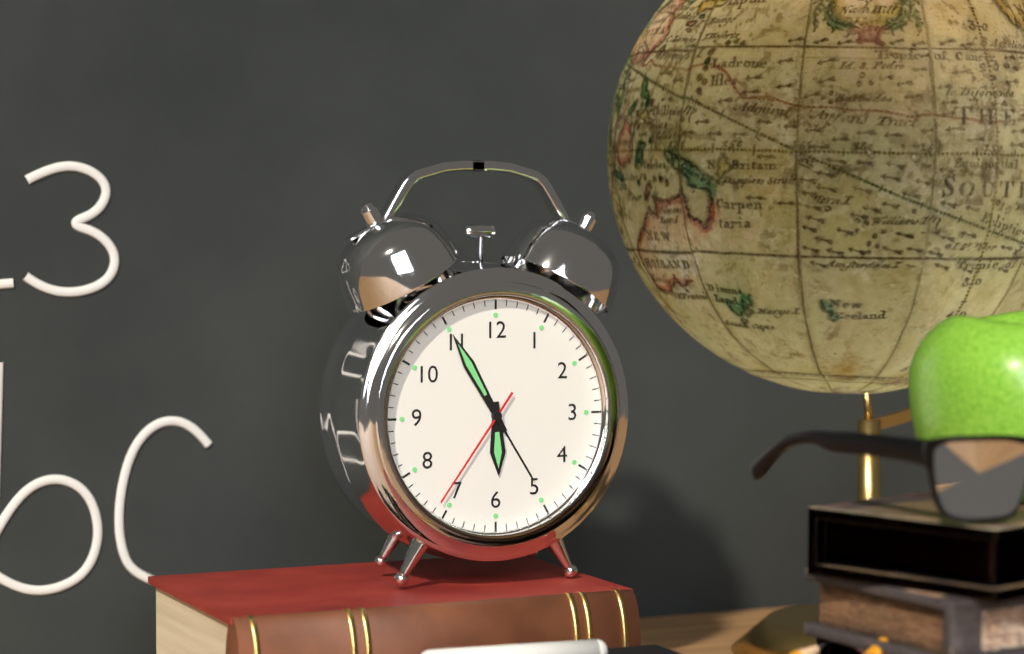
5:55:36
